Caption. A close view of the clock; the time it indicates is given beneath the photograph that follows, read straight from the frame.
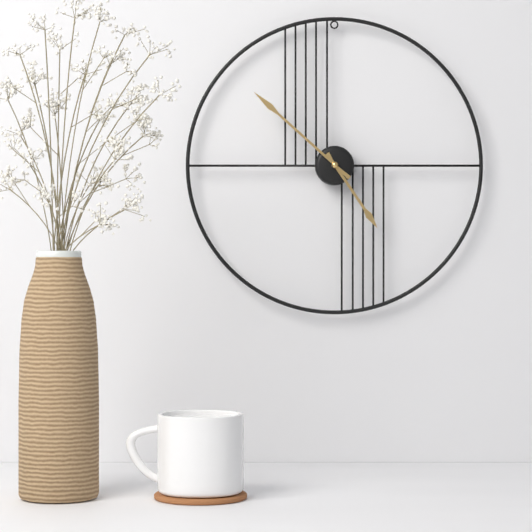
4:52
